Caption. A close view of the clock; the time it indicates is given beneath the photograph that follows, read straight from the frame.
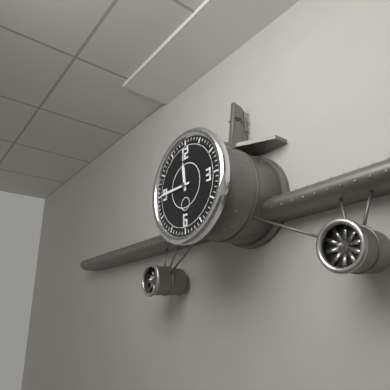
11:45
